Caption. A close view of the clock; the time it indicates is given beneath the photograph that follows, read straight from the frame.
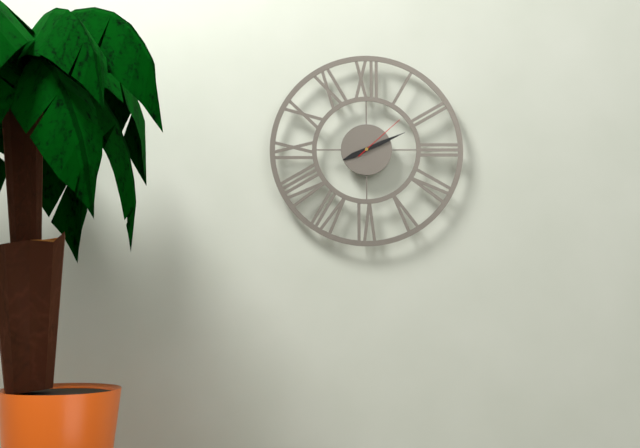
8:11:08
